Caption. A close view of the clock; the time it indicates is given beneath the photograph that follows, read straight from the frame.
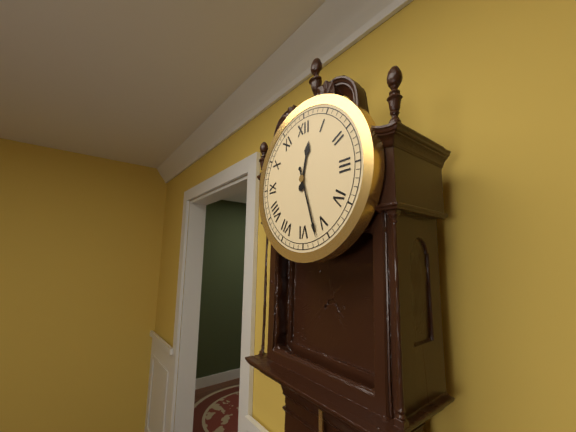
12:27
